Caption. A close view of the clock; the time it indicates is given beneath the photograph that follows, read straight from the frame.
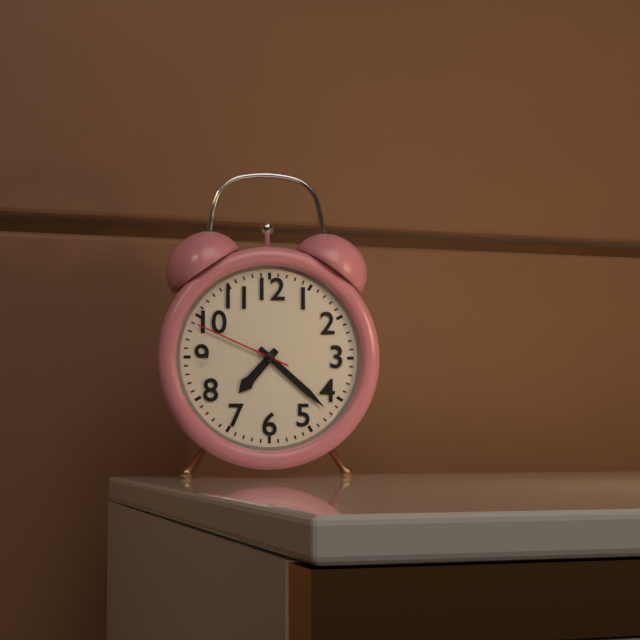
7:22:49
